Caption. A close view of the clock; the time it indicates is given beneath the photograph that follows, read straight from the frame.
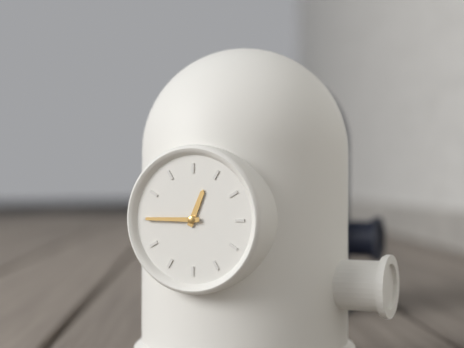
12:45
